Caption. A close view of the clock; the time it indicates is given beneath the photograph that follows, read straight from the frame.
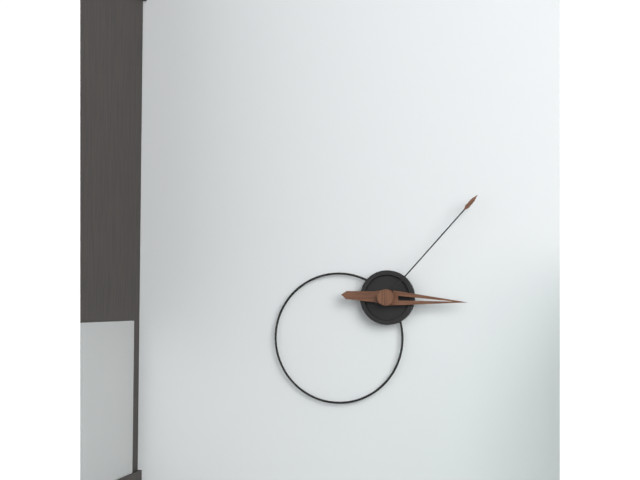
3:07
